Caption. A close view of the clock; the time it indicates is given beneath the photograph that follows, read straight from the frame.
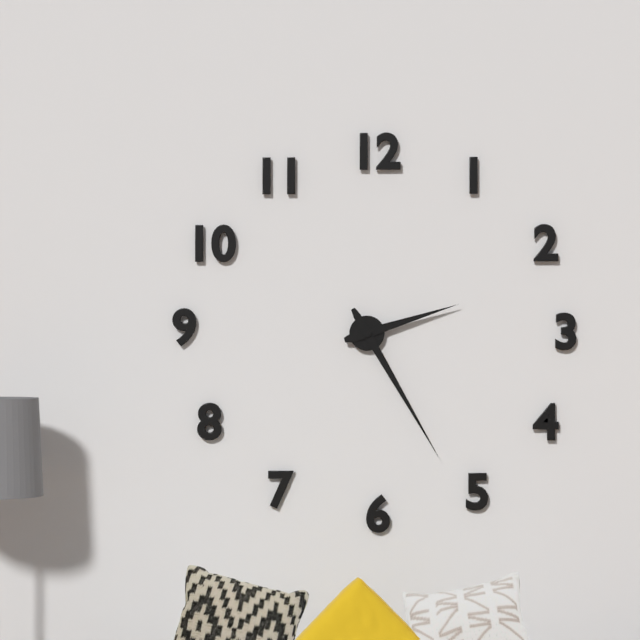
2:25
